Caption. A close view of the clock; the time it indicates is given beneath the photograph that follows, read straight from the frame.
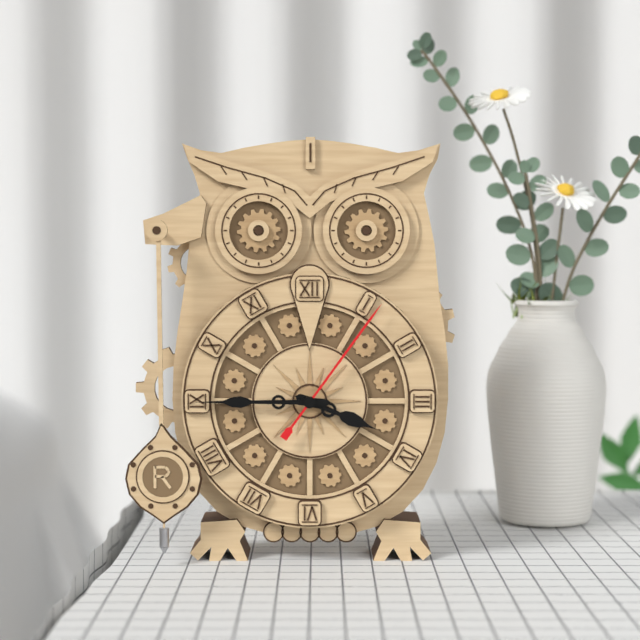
3:45:06
